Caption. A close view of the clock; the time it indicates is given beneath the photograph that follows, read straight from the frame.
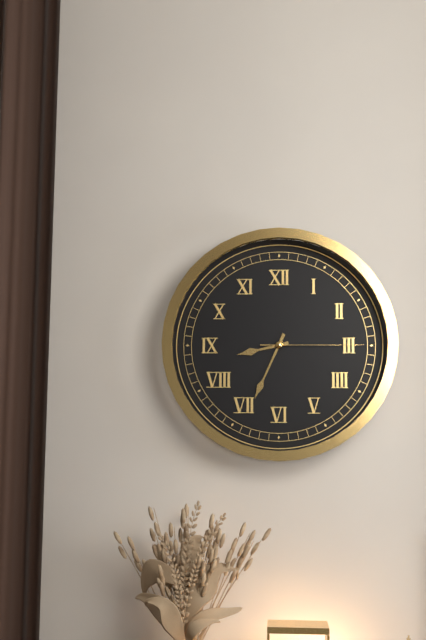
8:34:15
